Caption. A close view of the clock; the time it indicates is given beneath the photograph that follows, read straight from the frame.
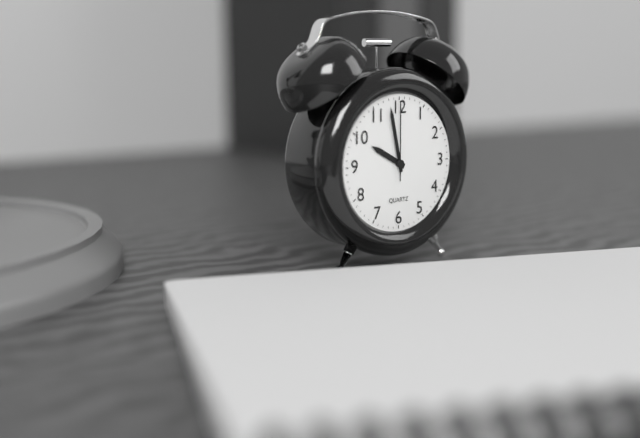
9:58:00
